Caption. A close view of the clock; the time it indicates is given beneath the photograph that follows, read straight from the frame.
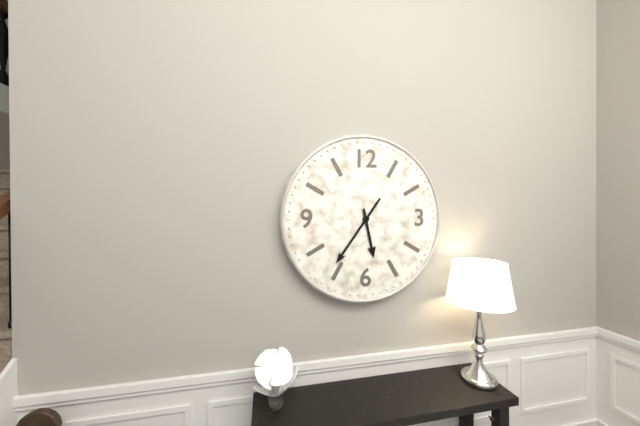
5:36
